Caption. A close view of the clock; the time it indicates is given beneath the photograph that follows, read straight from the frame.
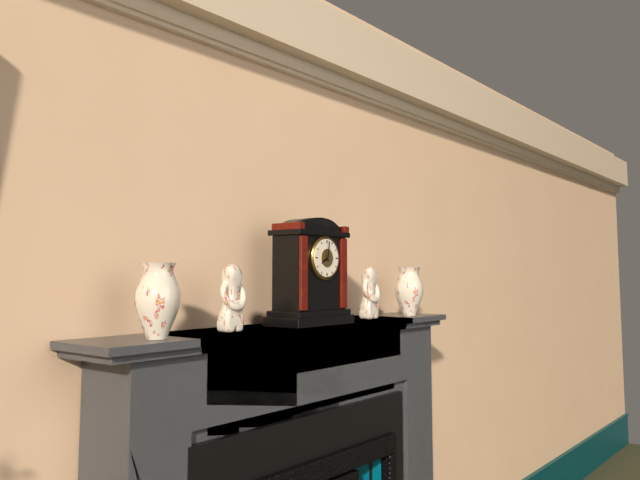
8:01
